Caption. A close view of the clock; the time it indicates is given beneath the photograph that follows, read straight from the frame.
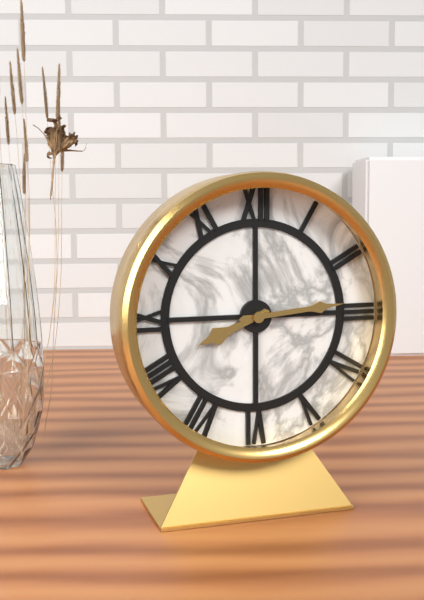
8:14
